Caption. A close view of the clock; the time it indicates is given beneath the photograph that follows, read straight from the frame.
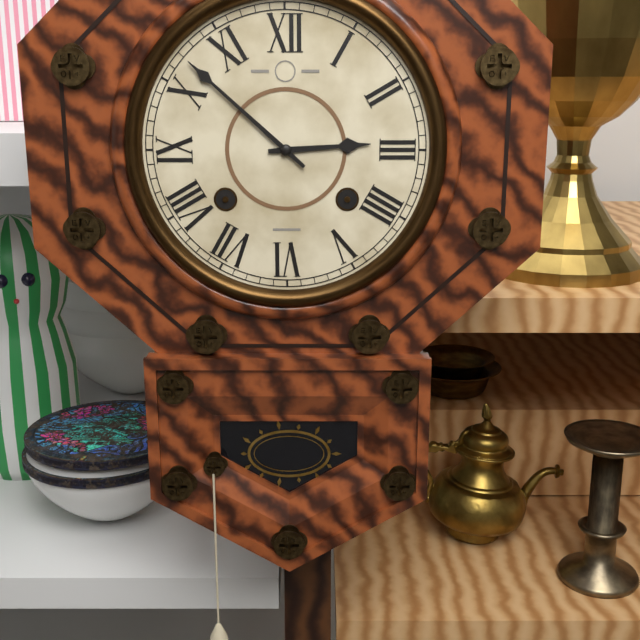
2:52
